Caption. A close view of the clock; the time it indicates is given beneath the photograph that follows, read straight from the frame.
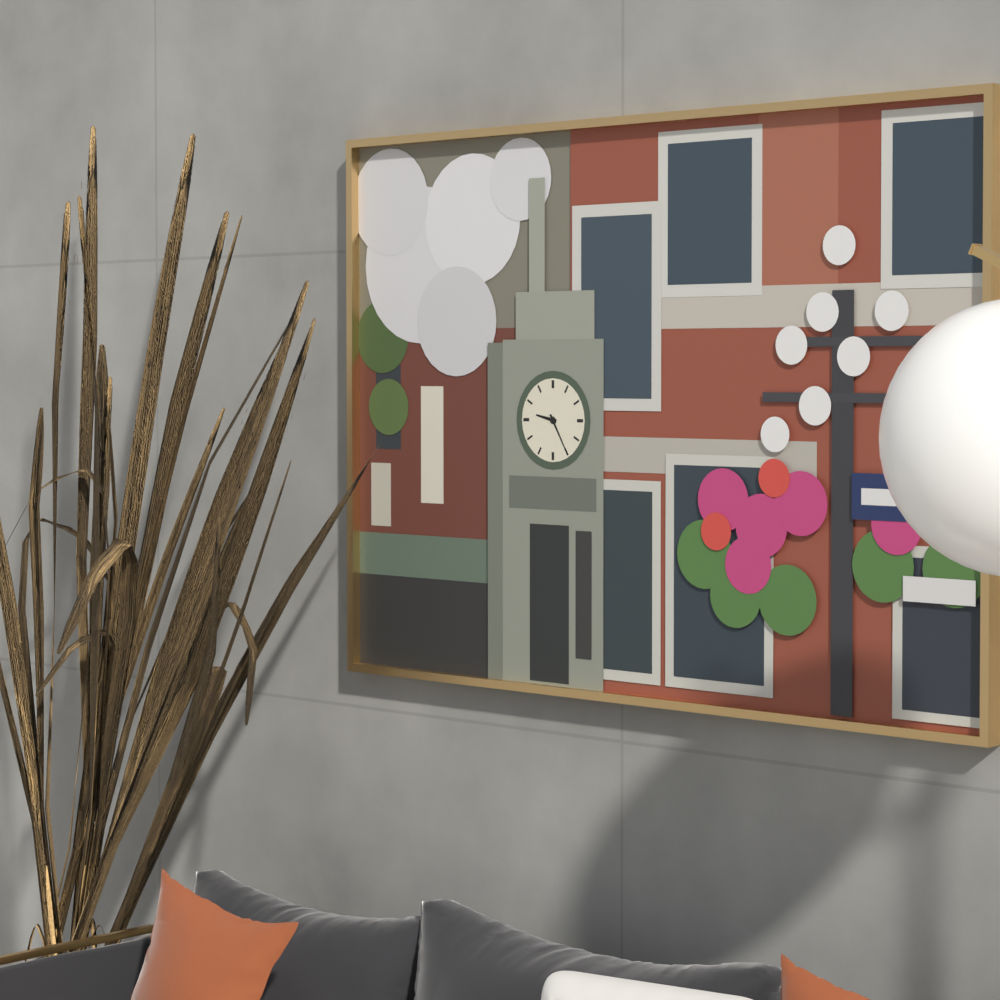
9:25
